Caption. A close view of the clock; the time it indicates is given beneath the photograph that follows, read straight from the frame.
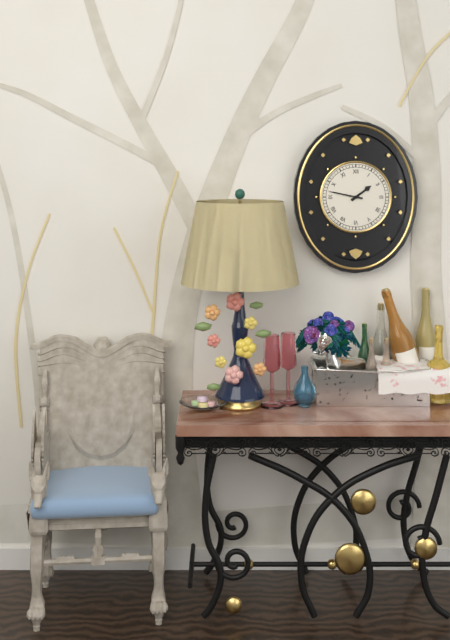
1:47
